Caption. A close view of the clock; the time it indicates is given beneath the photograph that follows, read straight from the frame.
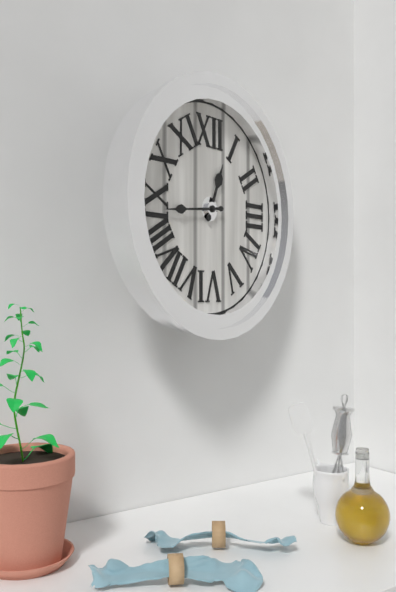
12:44
